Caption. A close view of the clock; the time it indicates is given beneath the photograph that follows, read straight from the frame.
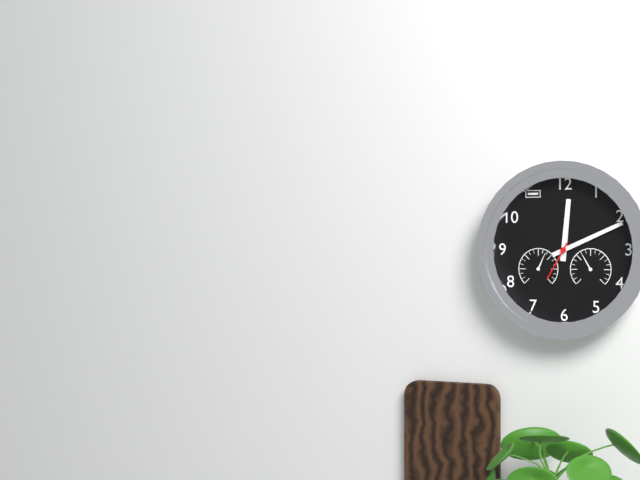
12:11
